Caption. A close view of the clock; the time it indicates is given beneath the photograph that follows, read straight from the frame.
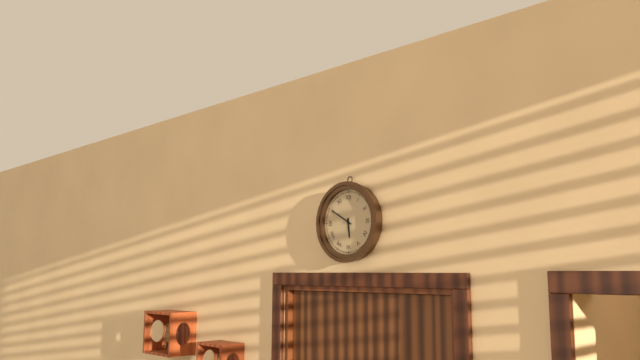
5:50
